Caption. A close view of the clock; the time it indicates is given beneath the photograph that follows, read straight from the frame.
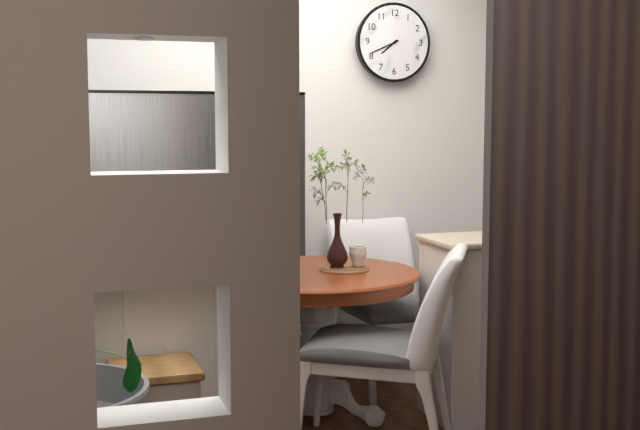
7:41
